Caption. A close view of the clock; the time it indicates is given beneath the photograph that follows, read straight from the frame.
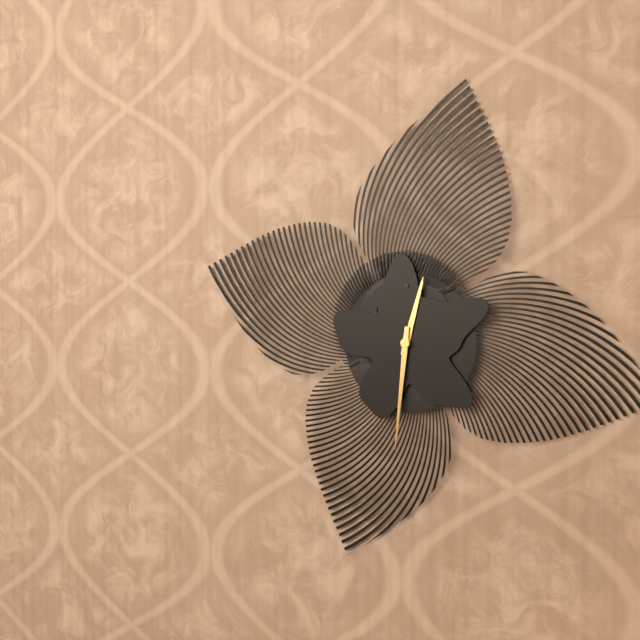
12:31
